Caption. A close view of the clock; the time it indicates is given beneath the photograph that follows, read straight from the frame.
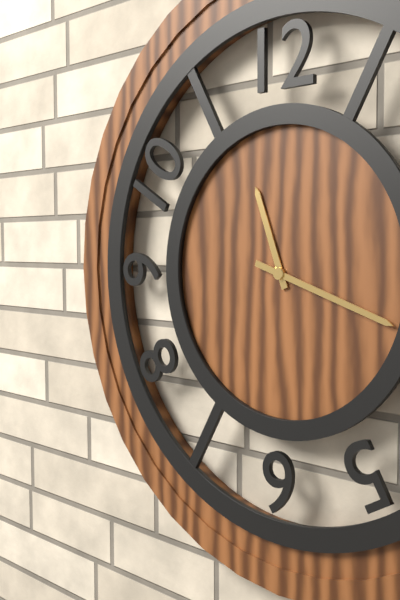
11:18
